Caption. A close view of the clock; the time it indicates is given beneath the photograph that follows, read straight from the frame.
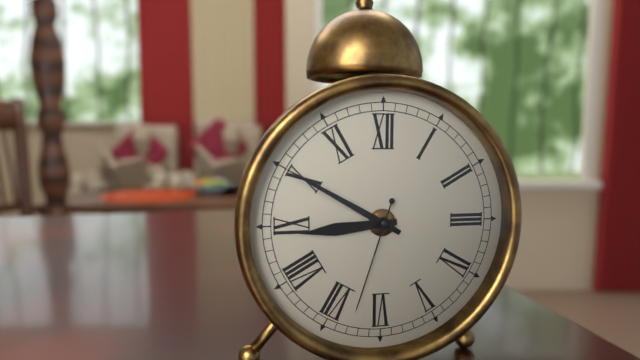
8:50:33
